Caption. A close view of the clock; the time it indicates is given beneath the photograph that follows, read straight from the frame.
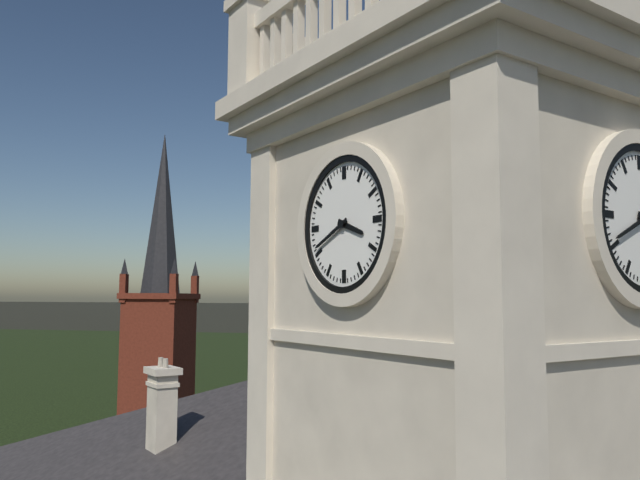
3:41
